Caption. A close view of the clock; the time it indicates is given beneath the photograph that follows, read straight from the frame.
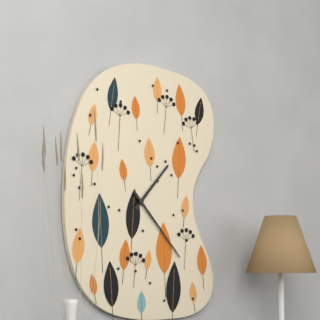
1:23
